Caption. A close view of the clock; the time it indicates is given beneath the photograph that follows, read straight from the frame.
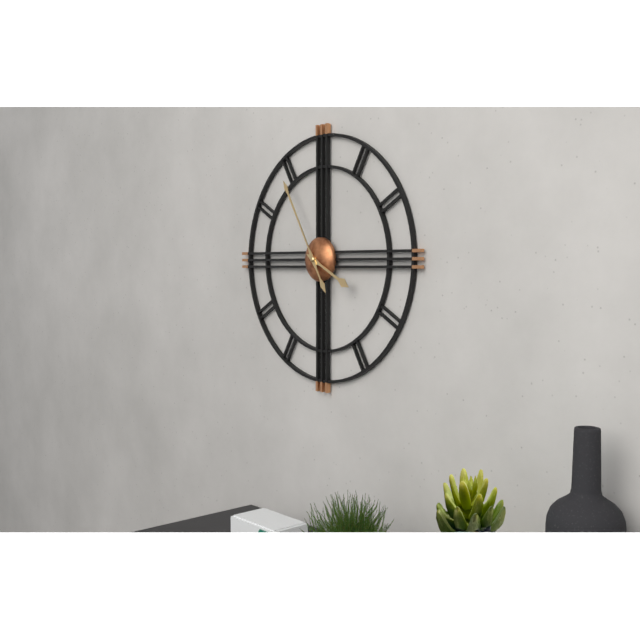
3:55
